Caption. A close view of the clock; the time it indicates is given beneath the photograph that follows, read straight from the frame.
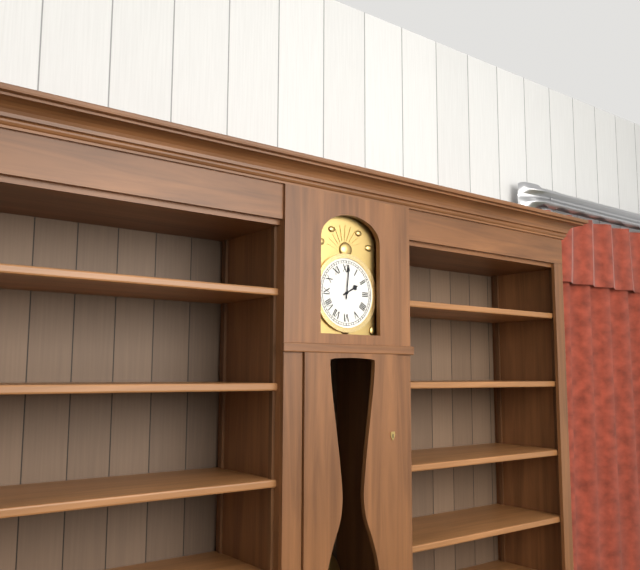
2:01
